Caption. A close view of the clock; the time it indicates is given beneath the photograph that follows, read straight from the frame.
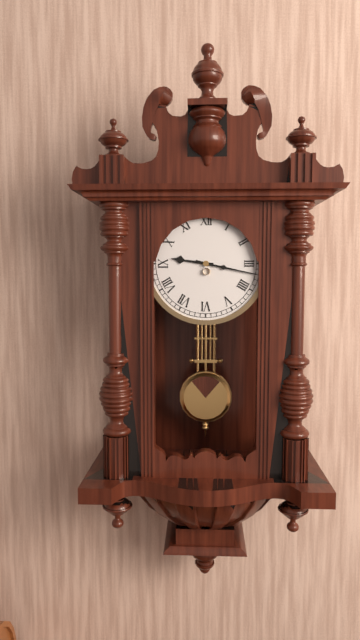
9:17
